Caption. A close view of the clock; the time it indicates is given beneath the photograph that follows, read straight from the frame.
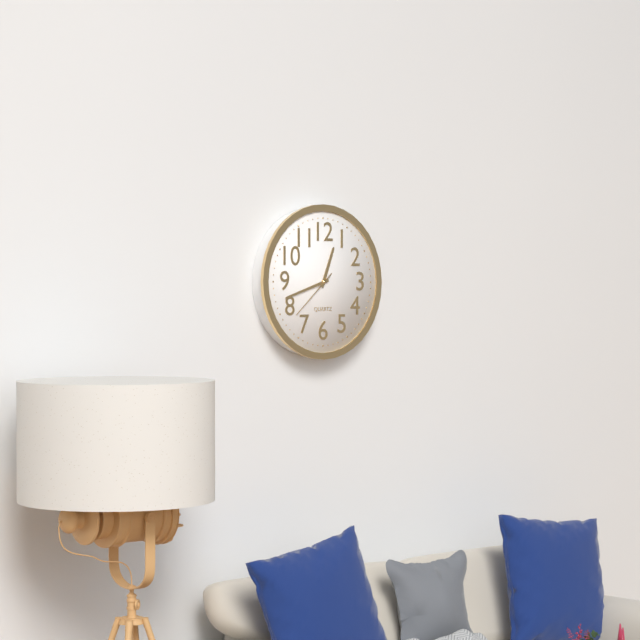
12:42:38
